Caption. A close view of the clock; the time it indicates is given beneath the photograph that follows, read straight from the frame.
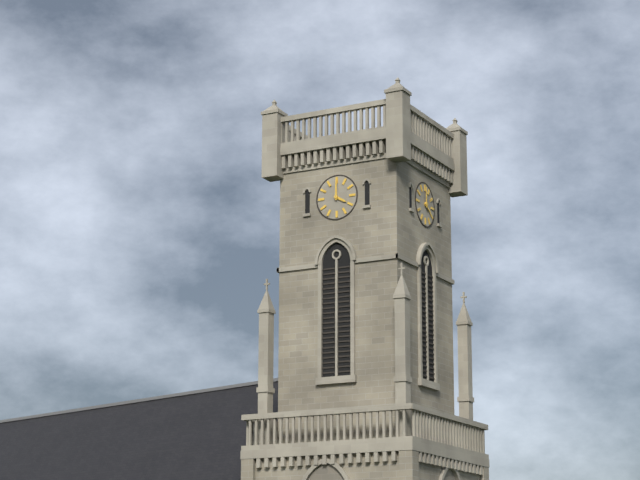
4:00
